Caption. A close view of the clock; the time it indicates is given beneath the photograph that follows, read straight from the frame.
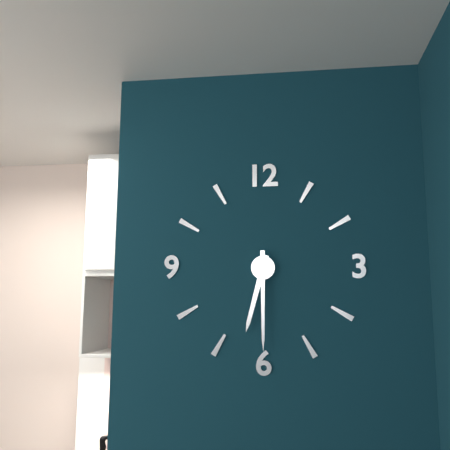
6:30
